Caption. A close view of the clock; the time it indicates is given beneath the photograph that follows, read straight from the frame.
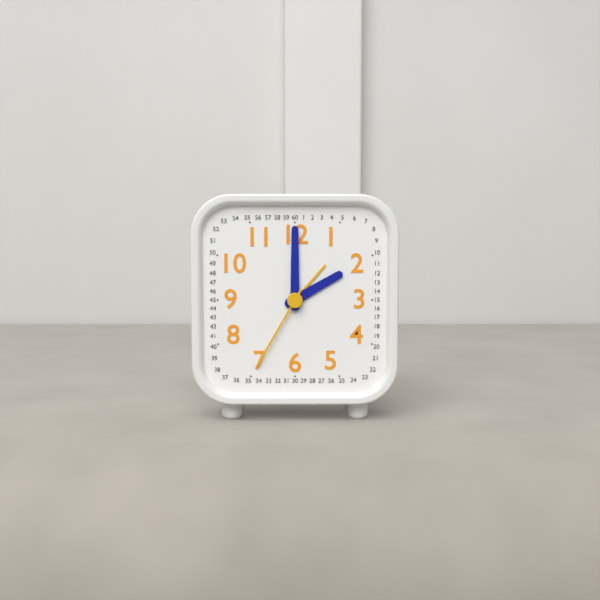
2:00:35
